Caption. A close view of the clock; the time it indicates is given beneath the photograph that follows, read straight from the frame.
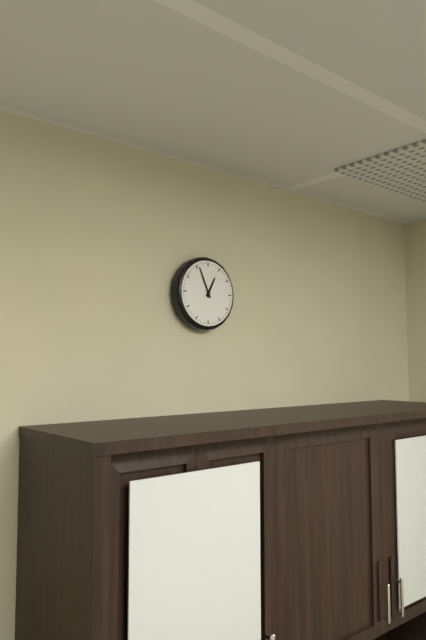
12:56
